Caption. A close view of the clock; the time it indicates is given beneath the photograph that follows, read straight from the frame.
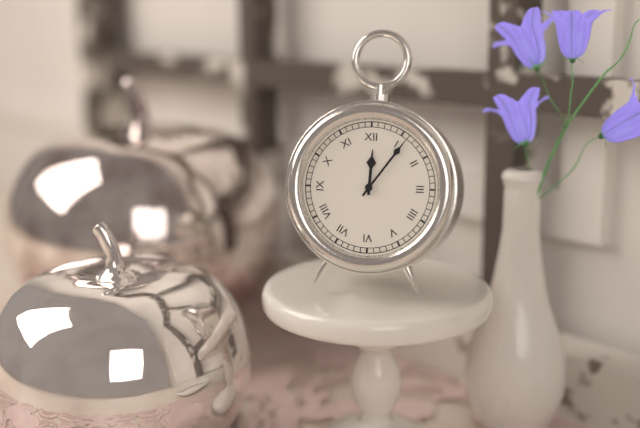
12:06
